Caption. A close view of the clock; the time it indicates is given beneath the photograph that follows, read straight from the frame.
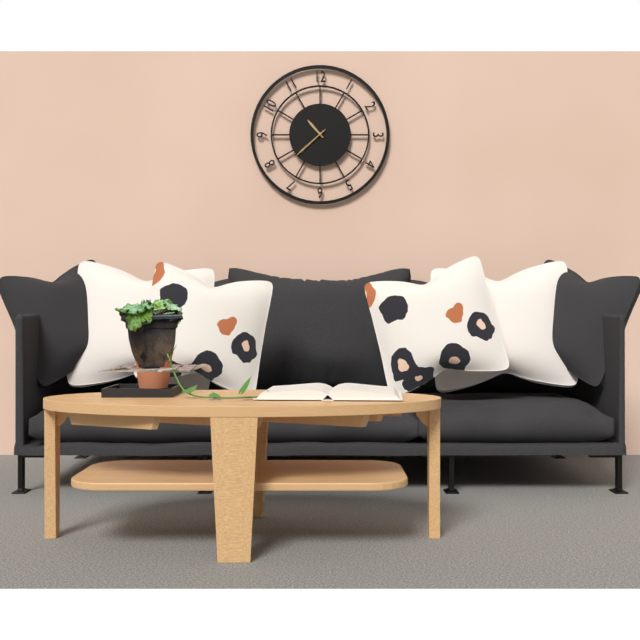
10:38
